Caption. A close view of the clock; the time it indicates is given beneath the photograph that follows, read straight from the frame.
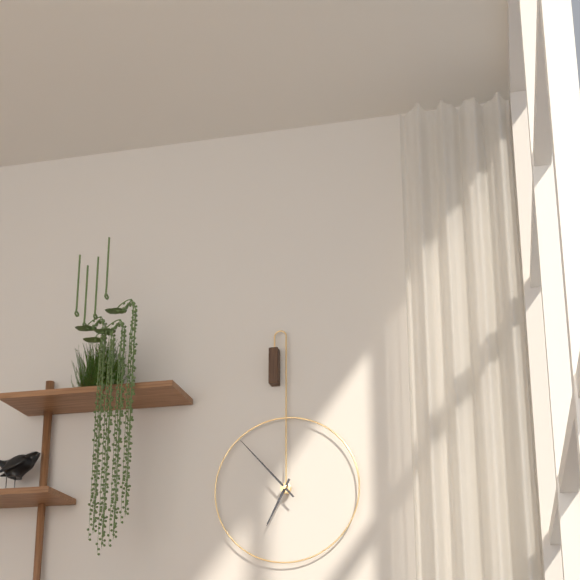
6:53
